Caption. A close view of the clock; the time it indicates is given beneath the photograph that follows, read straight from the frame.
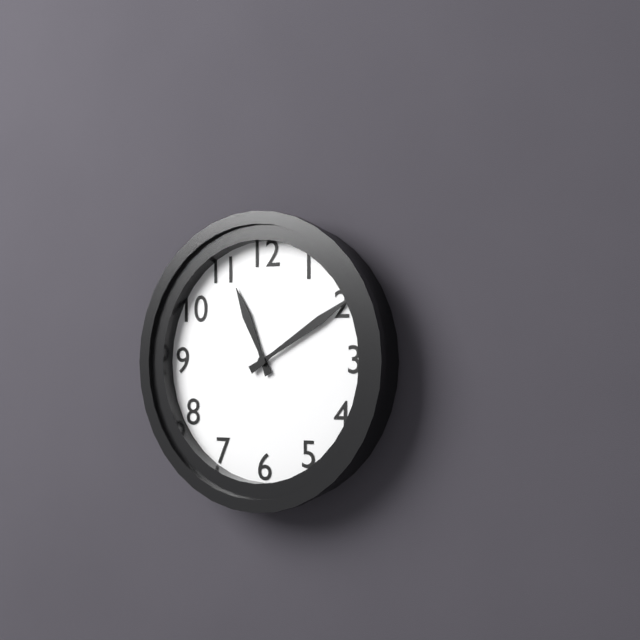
11:10
